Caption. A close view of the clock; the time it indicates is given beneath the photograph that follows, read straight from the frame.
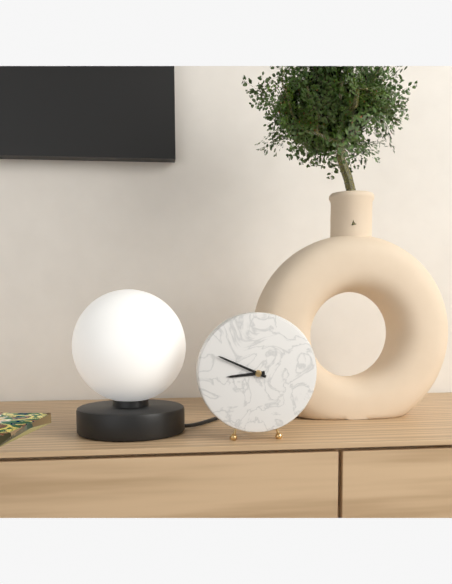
8:49
